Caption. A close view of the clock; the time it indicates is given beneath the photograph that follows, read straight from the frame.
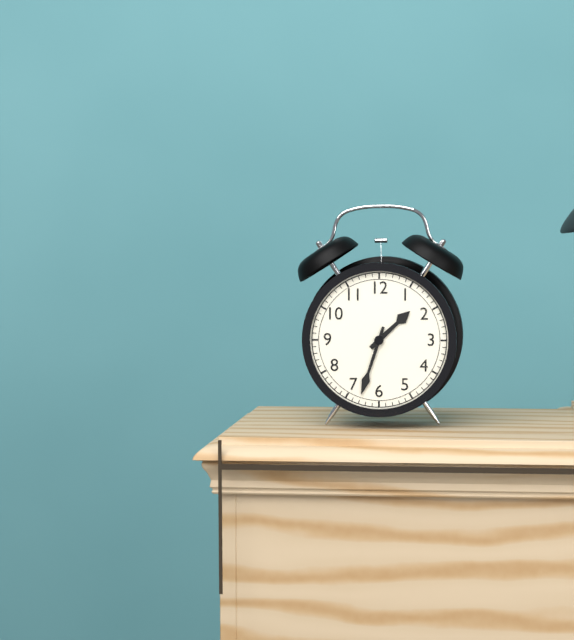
1:33
